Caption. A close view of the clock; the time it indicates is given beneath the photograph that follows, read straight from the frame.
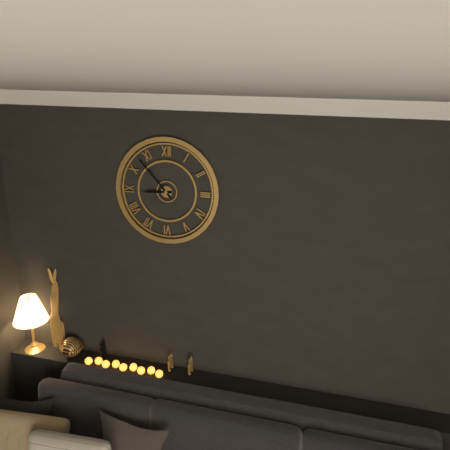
8:53
